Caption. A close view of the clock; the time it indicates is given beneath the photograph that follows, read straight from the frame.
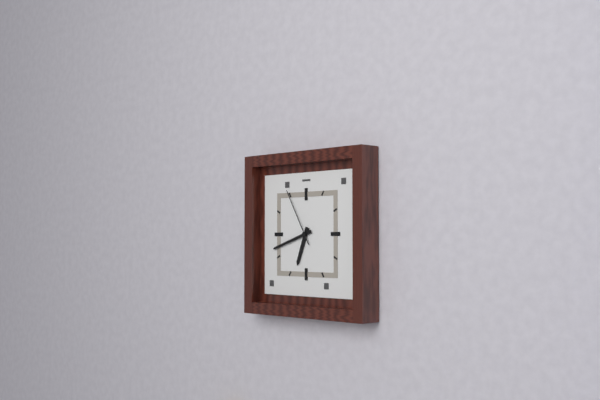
6:42:55
